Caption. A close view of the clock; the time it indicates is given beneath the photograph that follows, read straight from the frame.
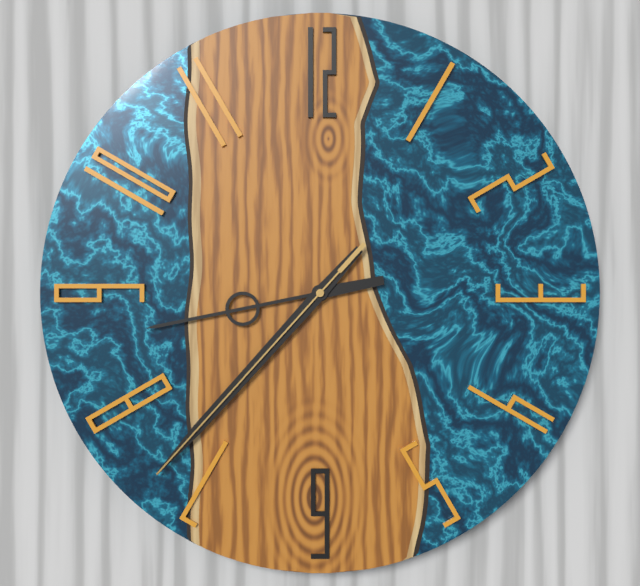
8:37:37
